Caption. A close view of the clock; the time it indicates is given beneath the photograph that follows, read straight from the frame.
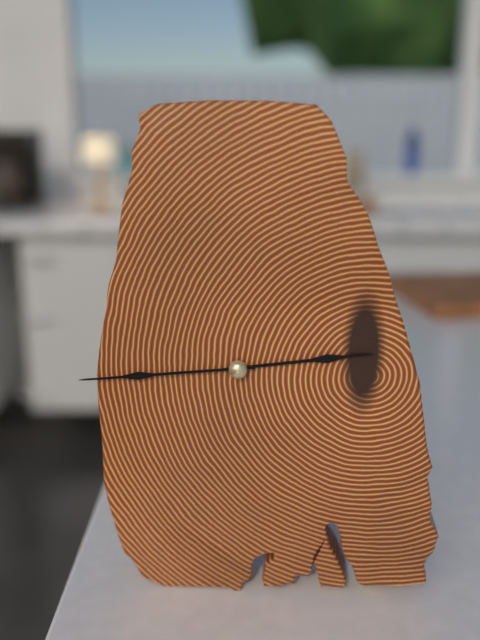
2:44
